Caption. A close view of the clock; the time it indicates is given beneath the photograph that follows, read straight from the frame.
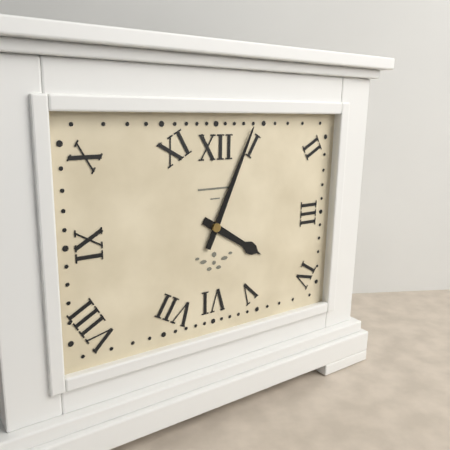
4:04
